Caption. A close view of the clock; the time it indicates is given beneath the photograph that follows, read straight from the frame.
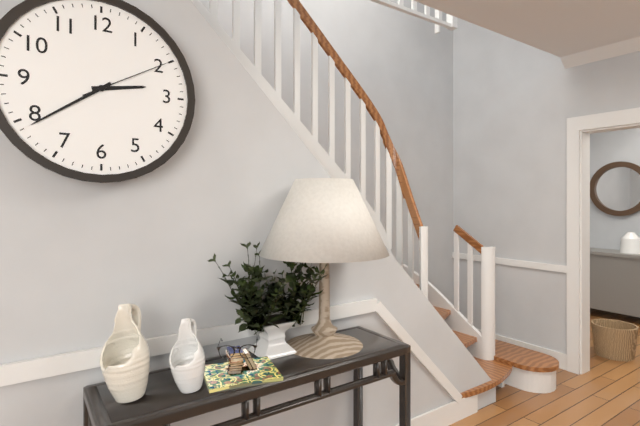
2:39:10
